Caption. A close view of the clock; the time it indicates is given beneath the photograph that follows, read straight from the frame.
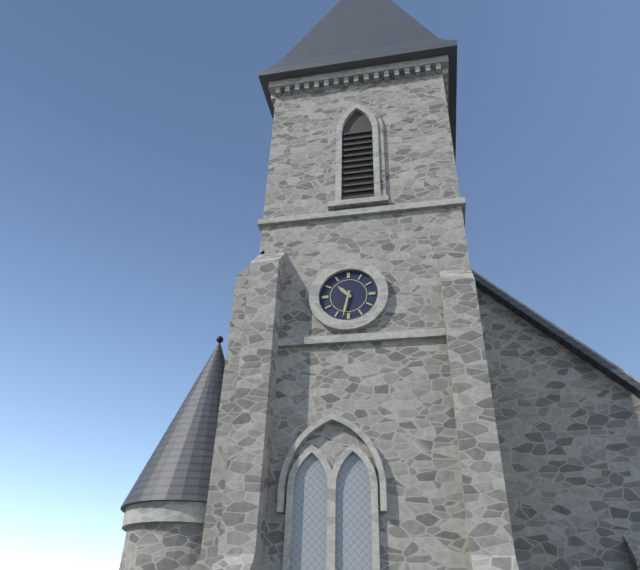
10:32
